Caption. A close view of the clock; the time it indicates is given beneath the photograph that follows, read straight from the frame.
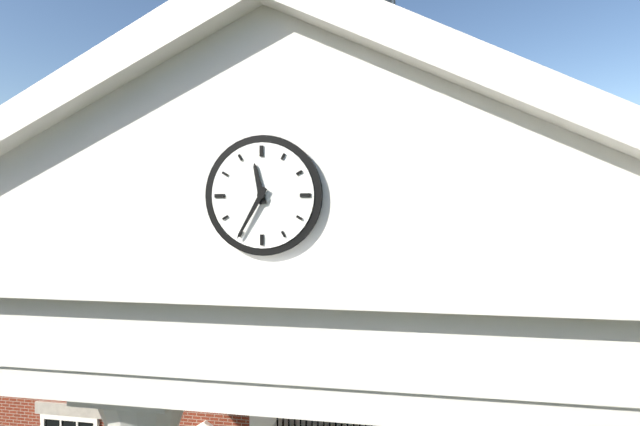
11:35
